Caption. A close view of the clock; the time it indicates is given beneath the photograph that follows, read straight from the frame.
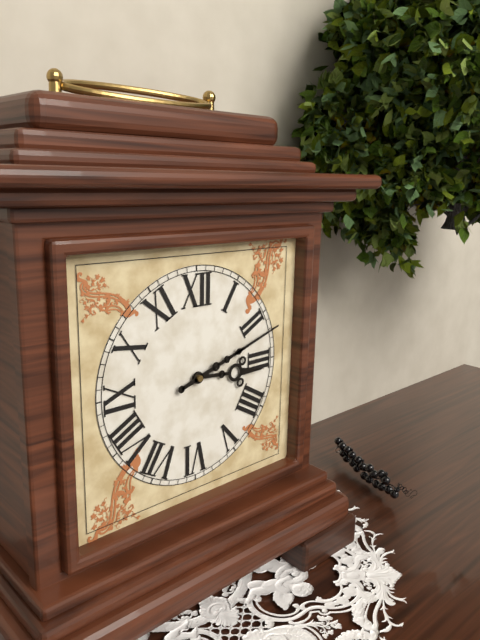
3:12
